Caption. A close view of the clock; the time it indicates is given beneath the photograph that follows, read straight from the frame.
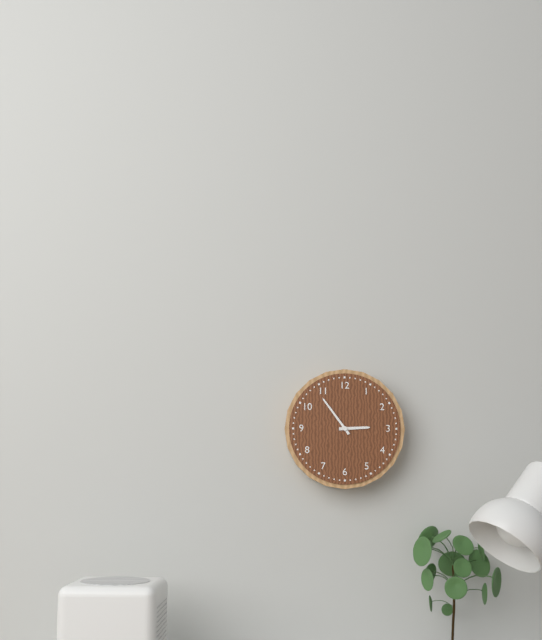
2:54
